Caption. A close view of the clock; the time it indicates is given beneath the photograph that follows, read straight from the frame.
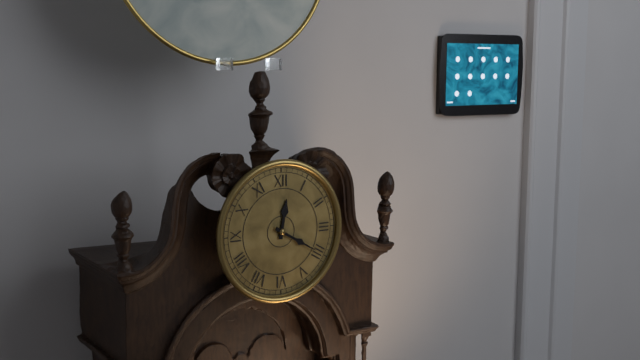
12:20
